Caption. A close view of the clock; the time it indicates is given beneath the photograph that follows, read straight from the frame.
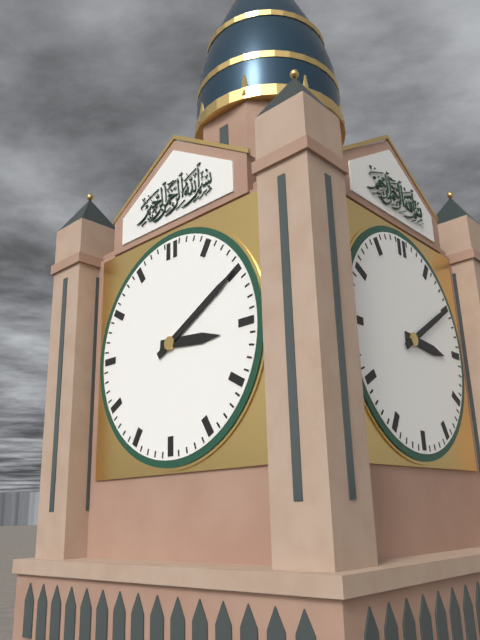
3:10
